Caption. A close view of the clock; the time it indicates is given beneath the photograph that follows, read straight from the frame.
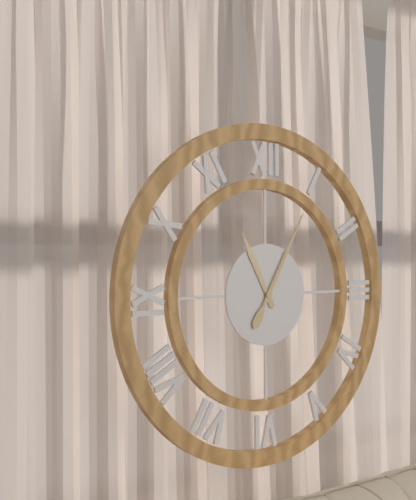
11:05
